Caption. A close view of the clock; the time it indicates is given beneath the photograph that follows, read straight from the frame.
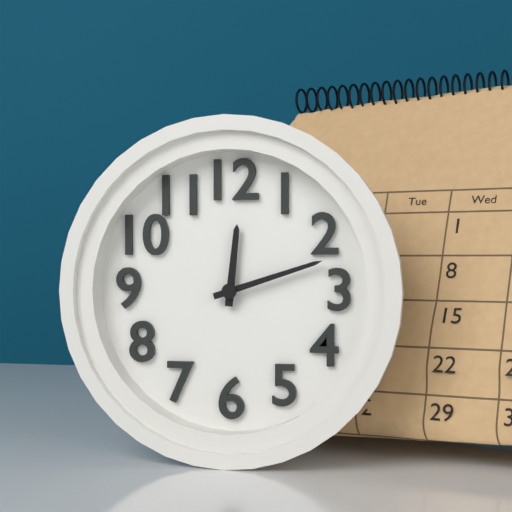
12:12
